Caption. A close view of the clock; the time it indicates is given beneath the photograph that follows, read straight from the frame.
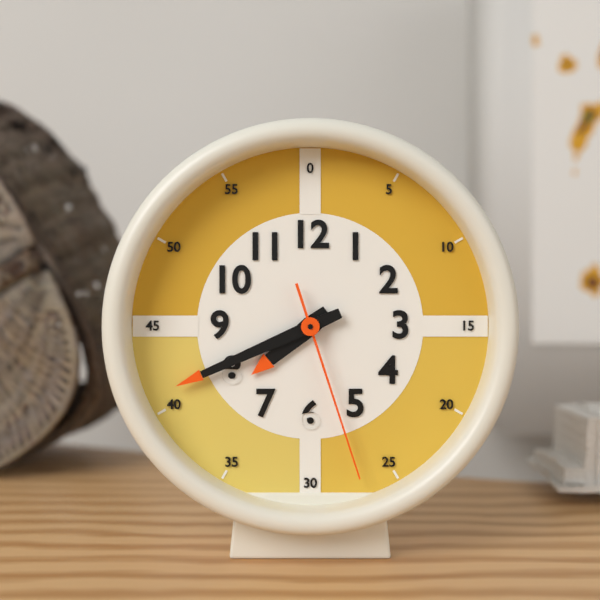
7:41:27
